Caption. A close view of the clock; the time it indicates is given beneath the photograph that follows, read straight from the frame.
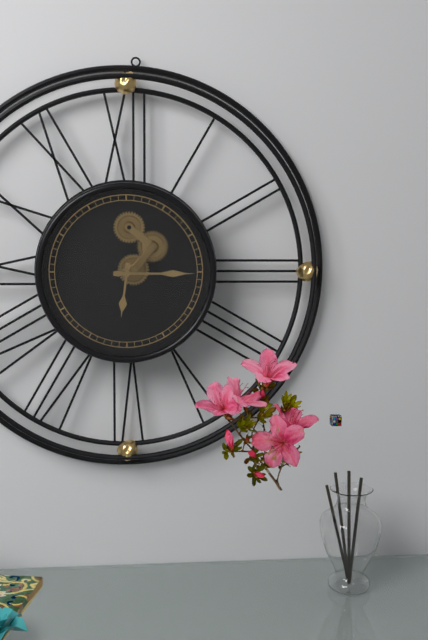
6:15
